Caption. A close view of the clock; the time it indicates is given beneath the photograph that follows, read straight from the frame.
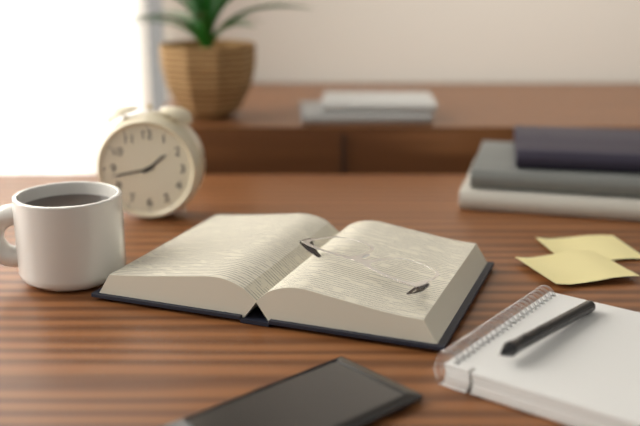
1:43
